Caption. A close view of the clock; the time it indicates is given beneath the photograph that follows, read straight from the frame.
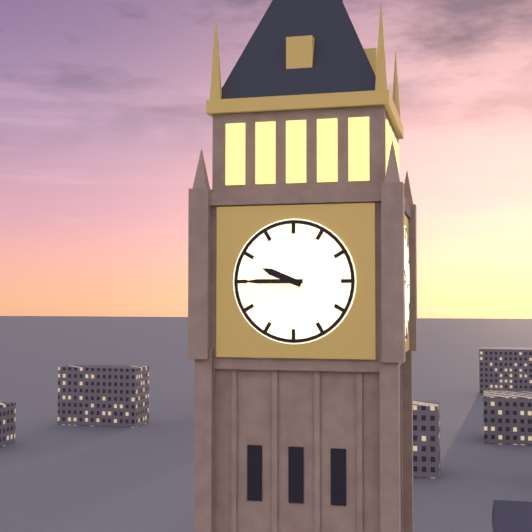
9:45
